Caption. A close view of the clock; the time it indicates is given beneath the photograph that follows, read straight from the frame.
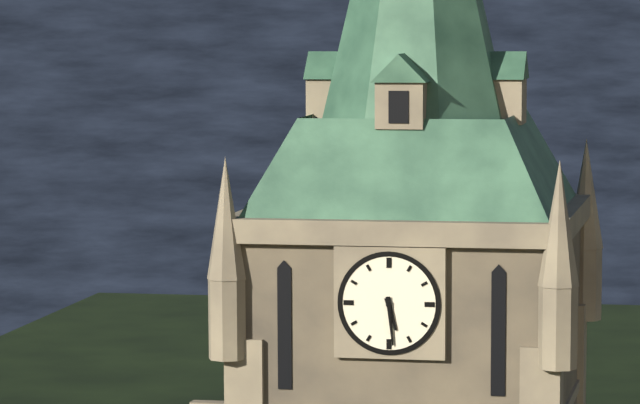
5:29
